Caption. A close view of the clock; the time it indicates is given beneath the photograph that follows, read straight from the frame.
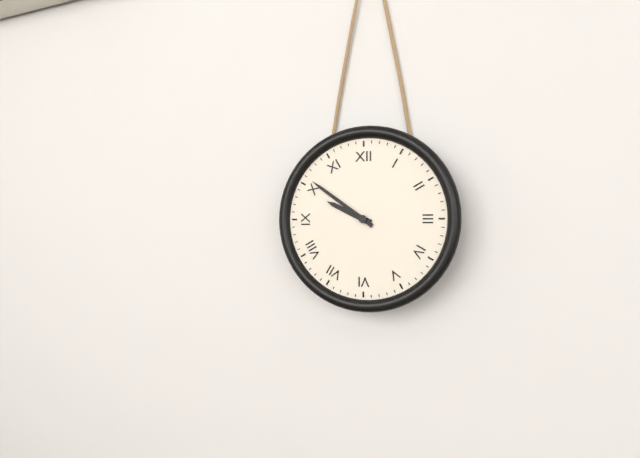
9:51
